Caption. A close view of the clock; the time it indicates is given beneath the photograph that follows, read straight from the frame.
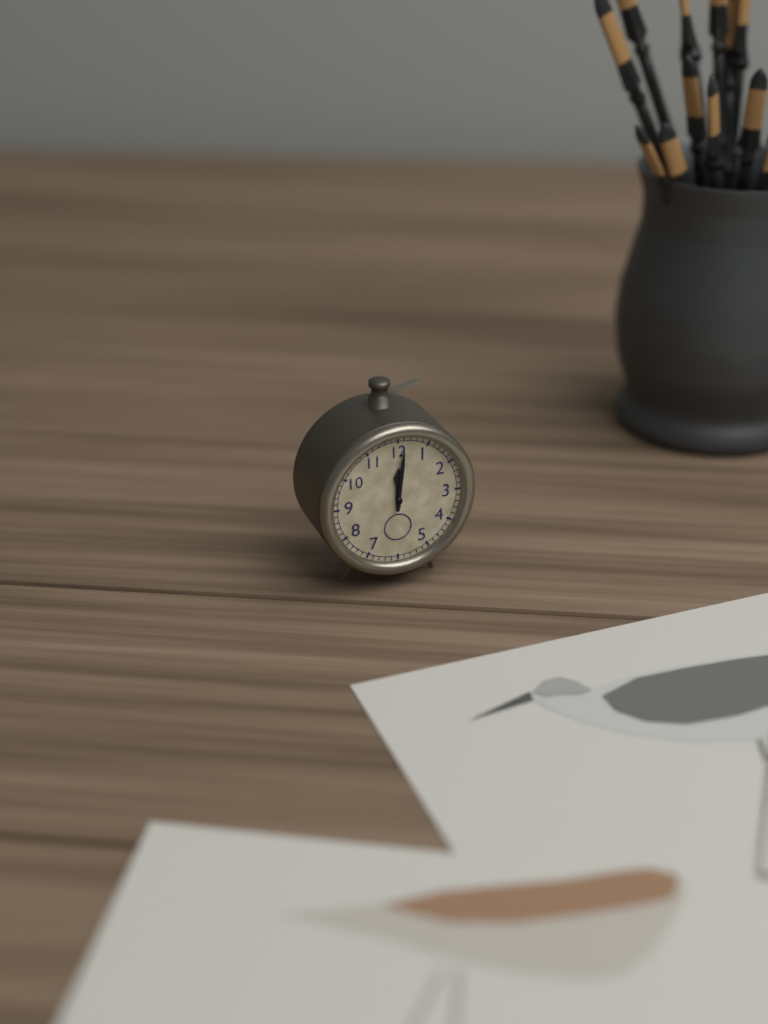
12:01
